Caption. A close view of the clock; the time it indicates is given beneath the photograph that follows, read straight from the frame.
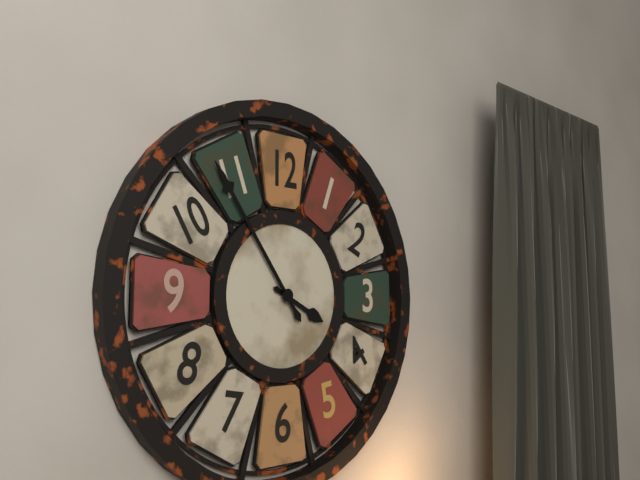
3:54
